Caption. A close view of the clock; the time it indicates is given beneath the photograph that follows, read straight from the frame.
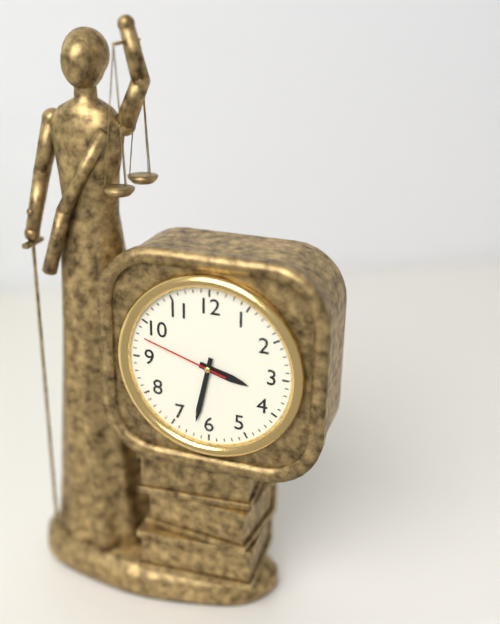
3:32:48
